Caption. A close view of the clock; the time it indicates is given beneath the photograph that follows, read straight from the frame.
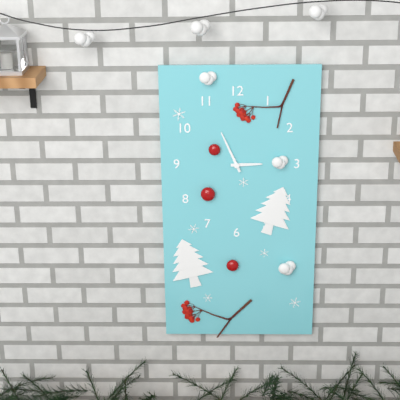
2:56
